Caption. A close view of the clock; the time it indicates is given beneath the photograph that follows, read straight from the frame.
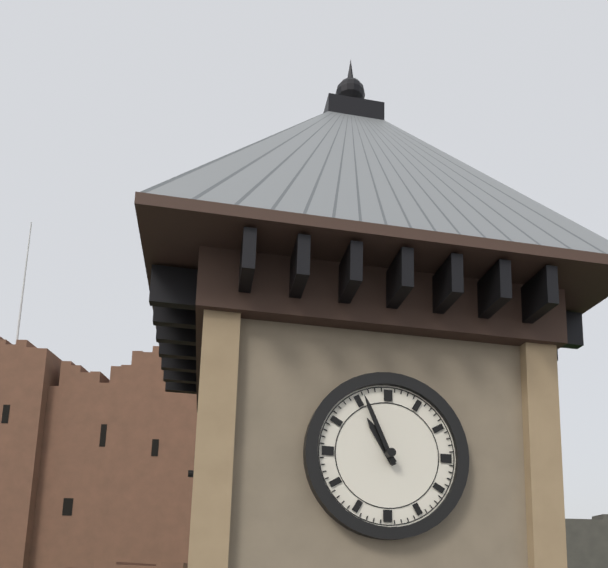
10:56
